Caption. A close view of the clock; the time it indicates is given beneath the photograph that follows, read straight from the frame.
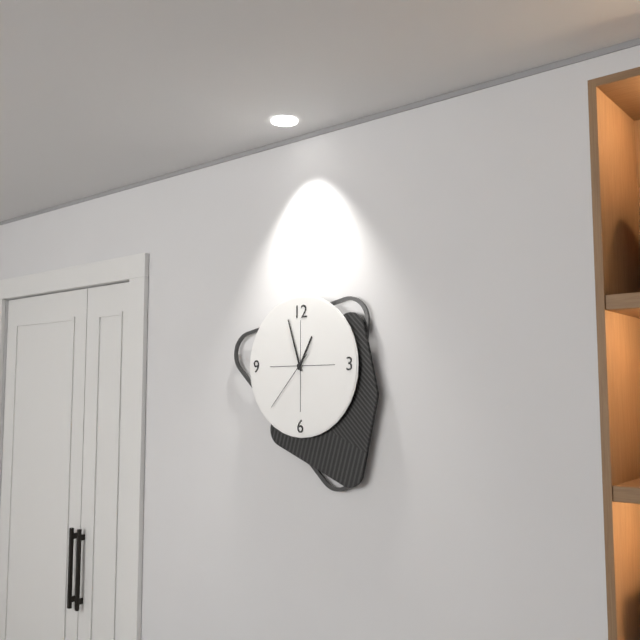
12:57:37
